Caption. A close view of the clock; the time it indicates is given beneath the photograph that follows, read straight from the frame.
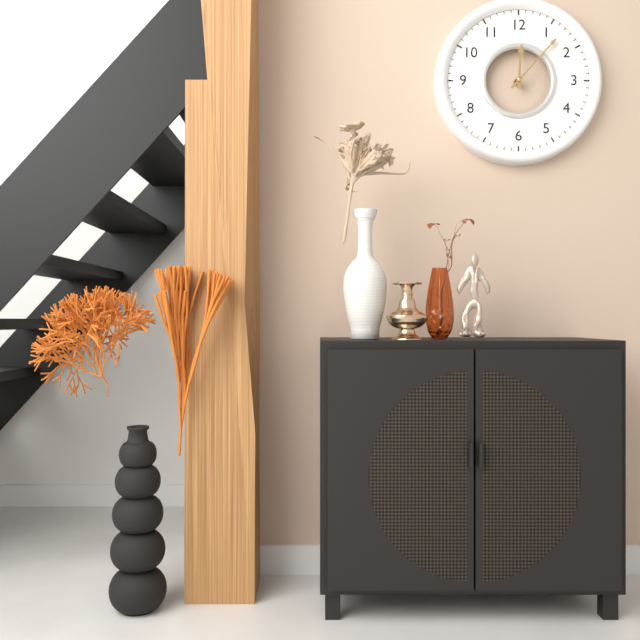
12:07
